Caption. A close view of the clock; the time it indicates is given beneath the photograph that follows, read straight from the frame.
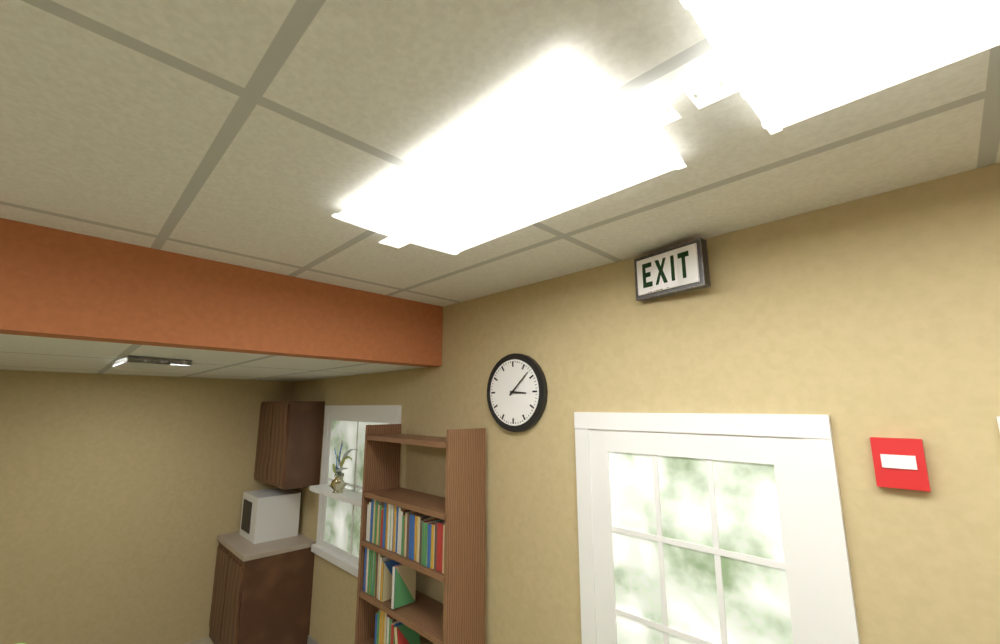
3:08
